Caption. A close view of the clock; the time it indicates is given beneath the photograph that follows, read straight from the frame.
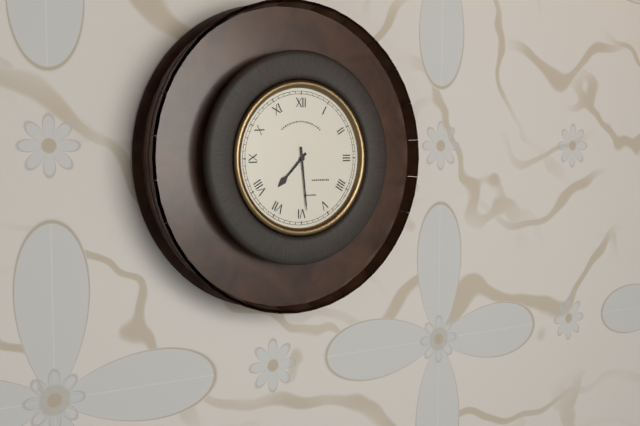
7:29
